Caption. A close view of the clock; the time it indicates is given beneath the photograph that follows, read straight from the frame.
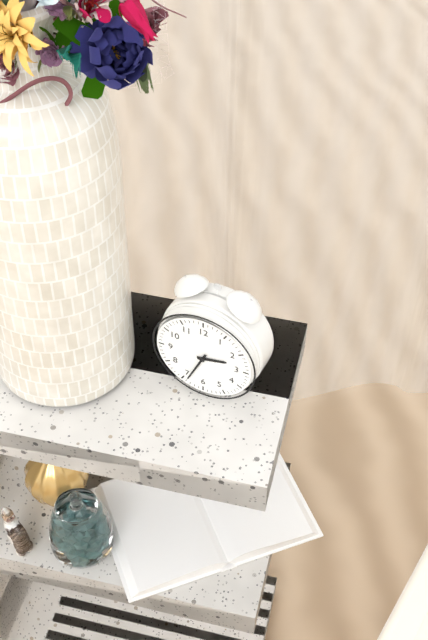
2:34
